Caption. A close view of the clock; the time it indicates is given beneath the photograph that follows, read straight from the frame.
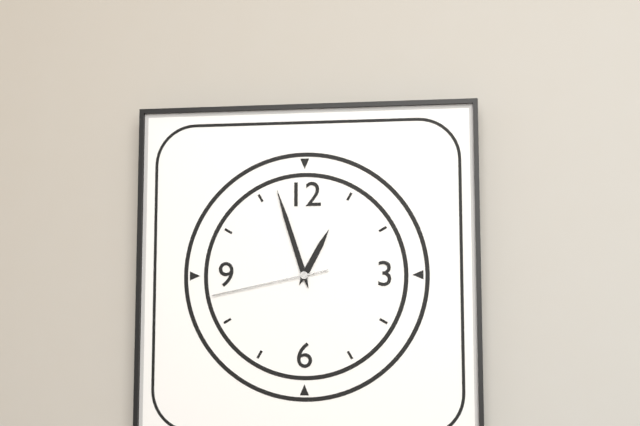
12:57:43
